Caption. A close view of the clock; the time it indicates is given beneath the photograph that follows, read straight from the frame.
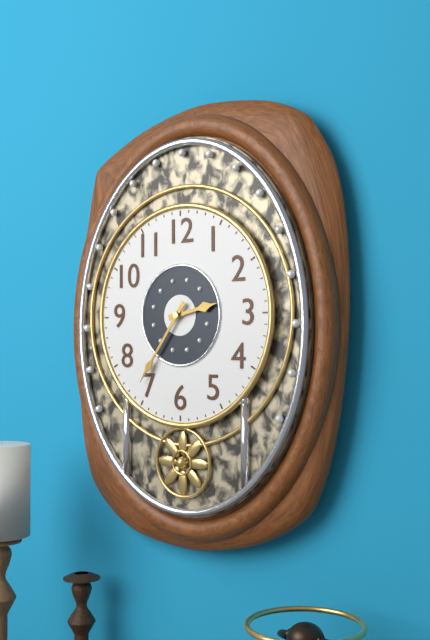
2:36
